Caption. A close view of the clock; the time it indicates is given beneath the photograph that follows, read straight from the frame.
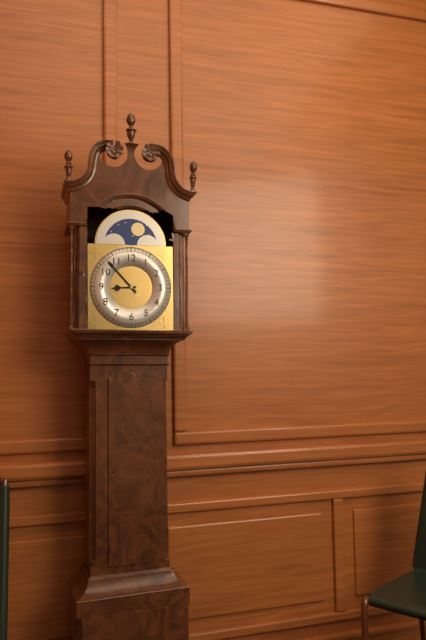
8:53
